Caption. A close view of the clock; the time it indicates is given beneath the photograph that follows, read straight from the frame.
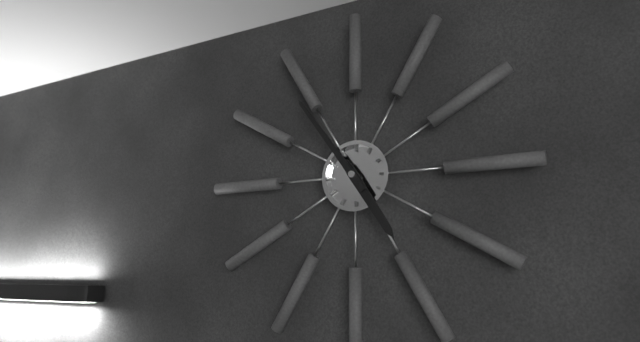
4:54
